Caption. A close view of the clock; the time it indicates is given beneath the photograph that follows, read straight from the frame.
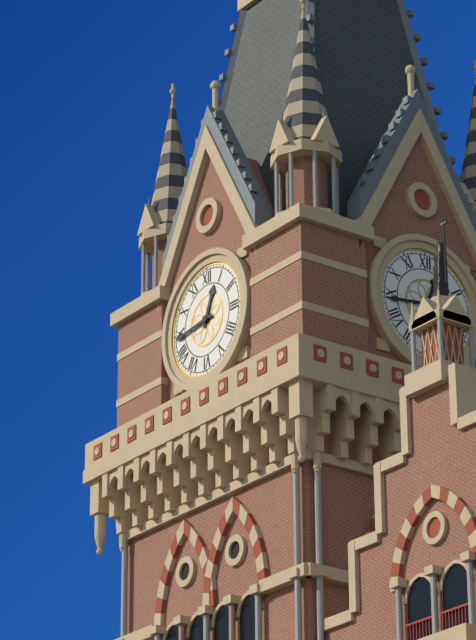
12:44
